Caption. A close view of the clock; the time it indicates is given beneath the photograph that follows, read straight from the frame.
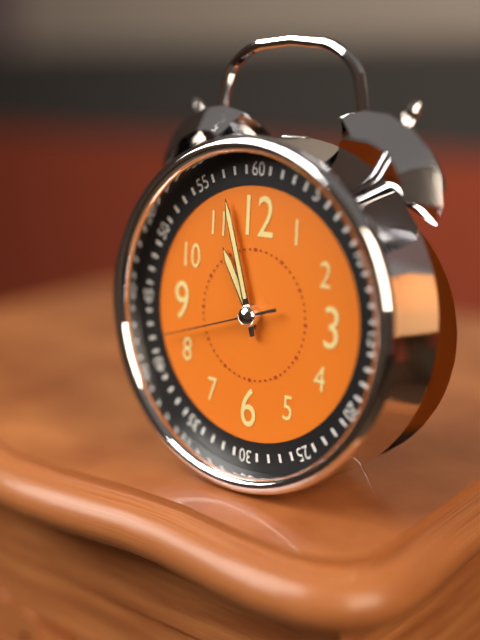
10:57:42
